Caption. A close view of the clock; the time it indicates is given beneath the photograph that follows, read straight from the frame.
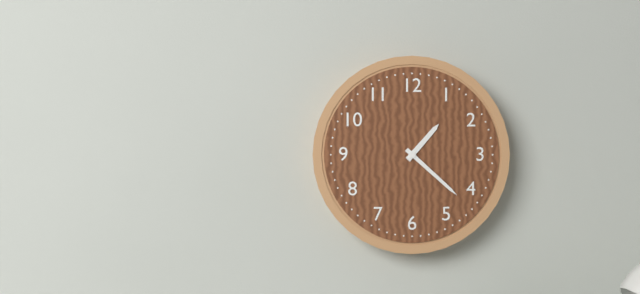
1:22
